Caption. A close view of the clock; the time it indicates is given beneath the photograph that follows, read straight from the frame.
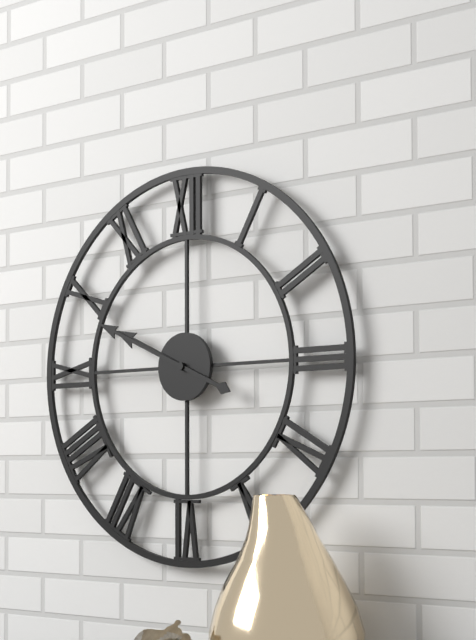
9:49
